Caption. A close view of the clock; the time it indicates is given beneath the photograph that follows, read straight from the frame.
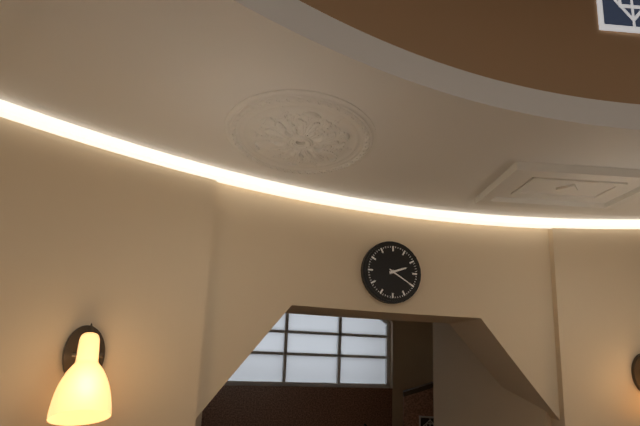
2:20
